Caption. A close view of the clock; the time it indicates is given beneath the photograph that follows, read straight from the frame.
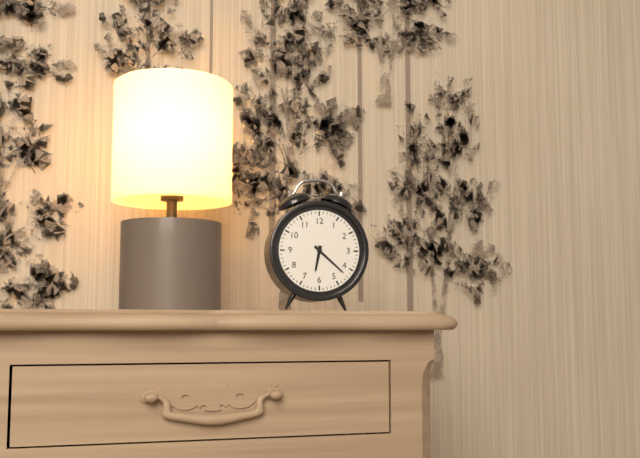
6:22
